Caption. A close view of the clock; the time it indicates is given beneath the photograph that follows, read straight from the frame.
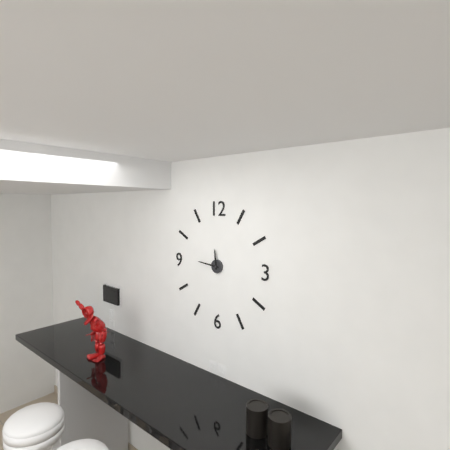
11:46
